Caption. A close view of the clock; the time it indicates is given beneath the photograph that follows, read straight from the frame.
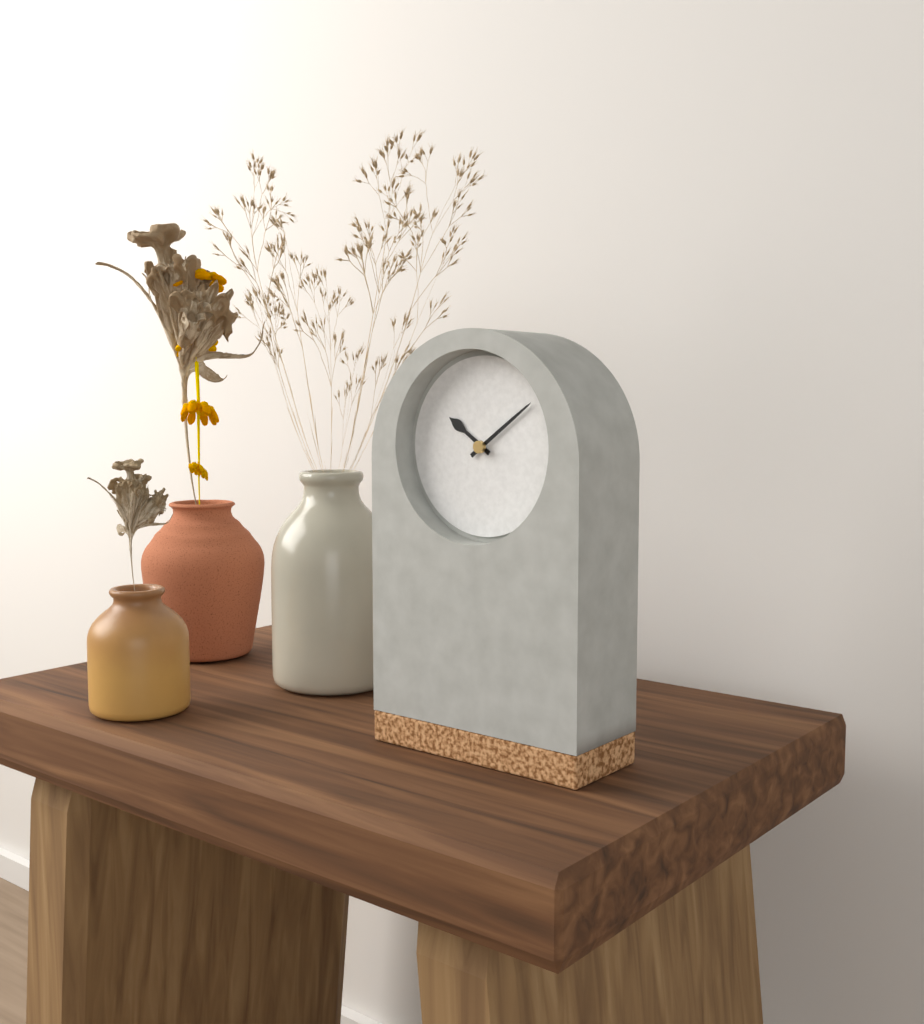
10:09
